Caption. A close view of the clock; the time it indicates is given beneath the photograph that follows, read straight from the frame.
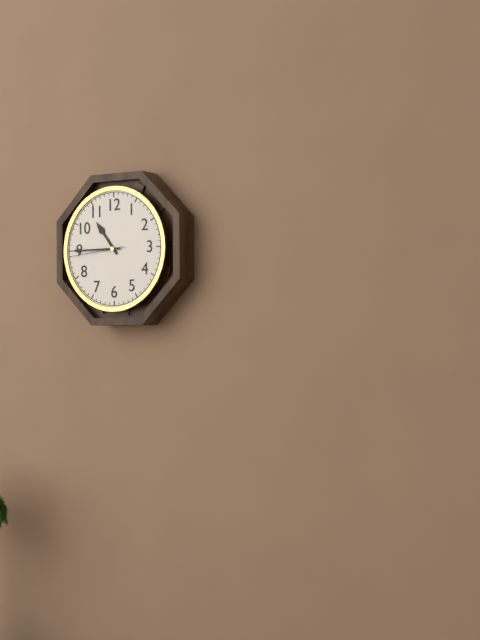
10:45:44
